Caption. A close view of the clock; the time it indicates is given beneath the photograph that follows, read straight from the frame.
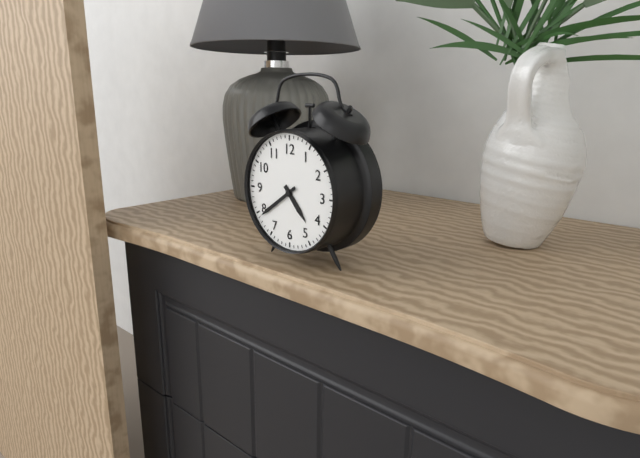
4:39
